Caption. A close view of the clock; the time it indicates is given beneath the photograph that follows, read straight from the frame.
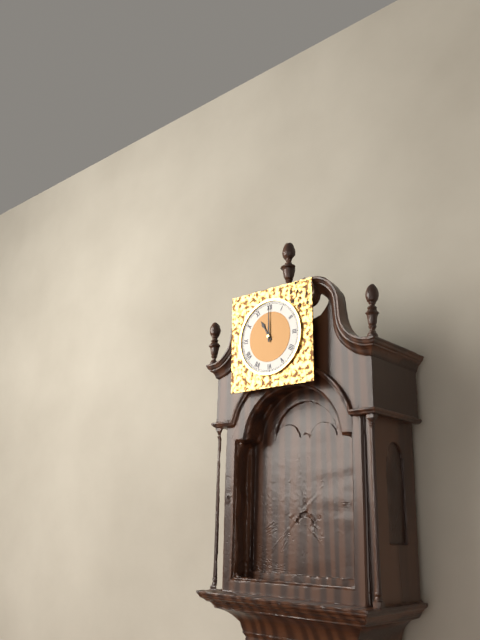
11:00
